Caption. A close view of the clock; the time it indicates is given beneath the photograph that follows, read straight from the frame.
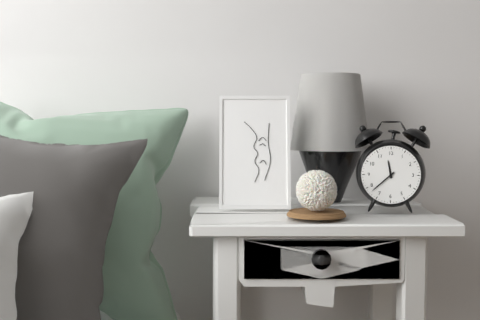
11:38
